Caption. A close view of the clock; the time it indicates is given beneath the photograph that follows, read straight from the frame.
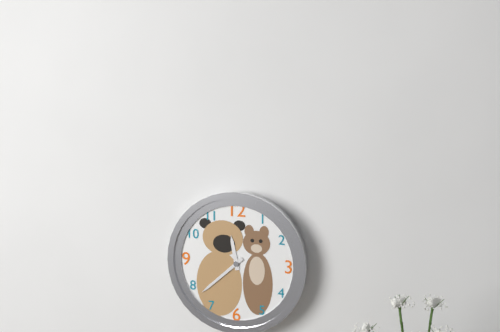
11:38
